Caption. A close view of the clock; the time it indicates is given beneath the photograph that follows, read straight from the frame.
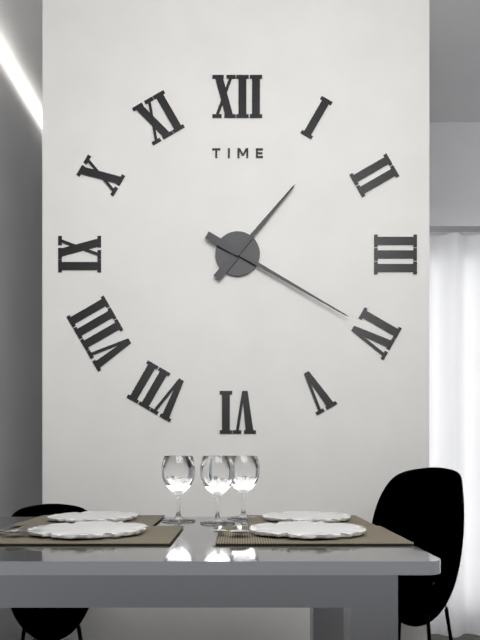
1:20
